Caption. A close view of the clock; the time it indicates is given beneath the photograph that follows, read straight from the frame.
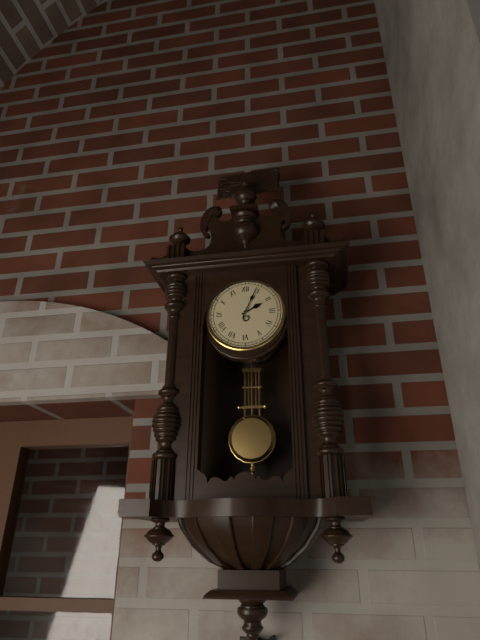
2:04
